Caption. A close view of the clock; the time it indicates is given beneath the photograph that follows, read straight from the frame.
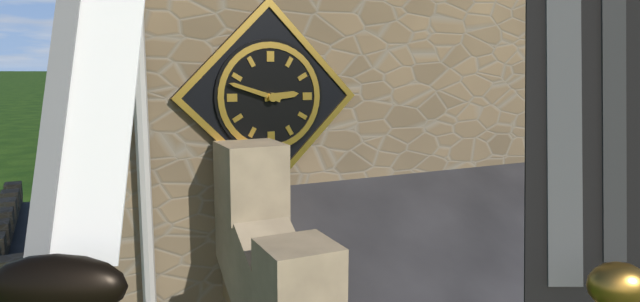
2:48
